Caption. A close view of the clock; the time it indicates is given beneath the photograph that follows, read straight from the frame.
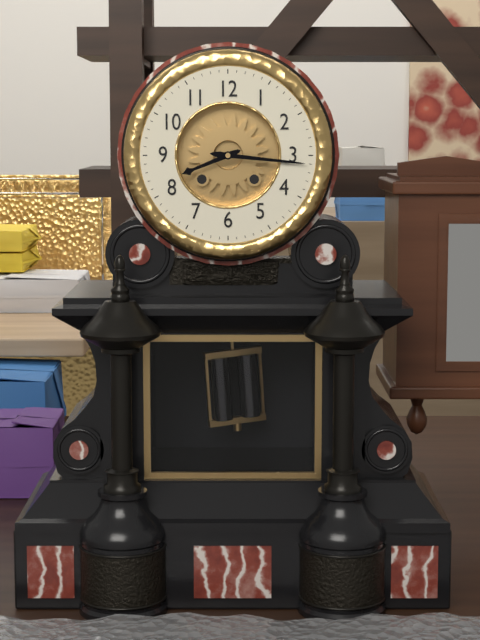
8:16
